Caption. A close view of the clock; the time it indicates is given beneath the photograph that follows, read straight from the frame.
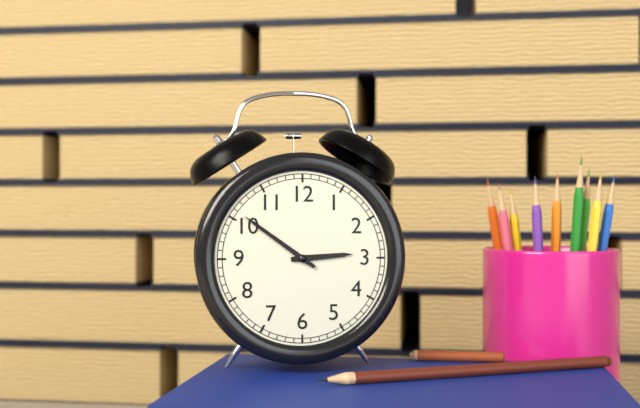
2:51
